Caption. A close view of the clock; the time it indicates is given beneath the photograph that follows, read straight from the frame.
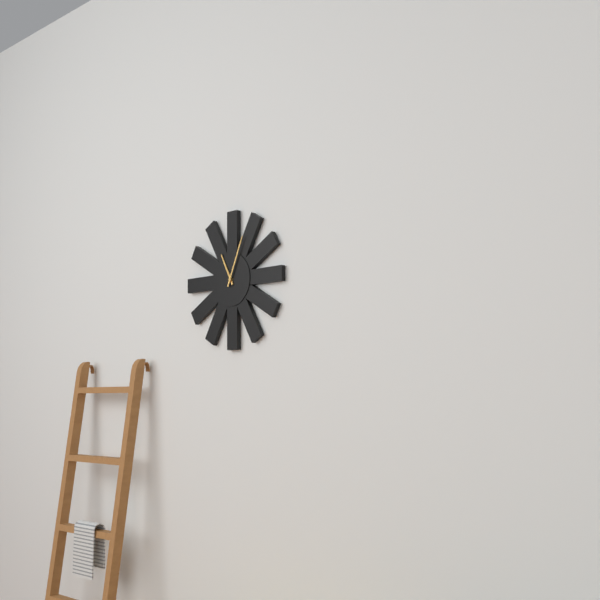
11:04
